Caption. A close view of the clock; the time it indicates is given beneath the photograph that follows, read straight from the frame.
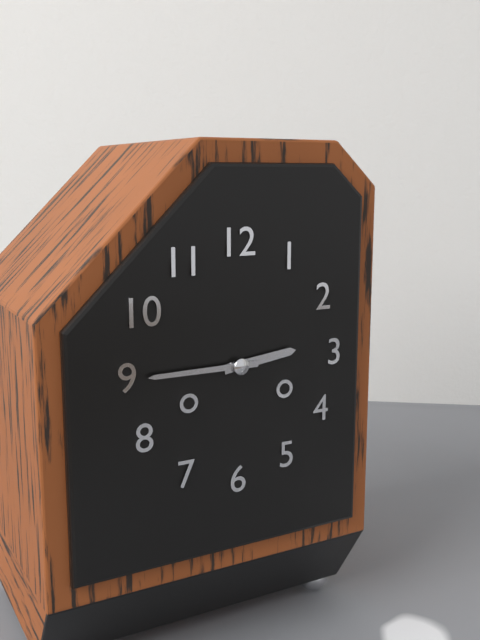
2:45
